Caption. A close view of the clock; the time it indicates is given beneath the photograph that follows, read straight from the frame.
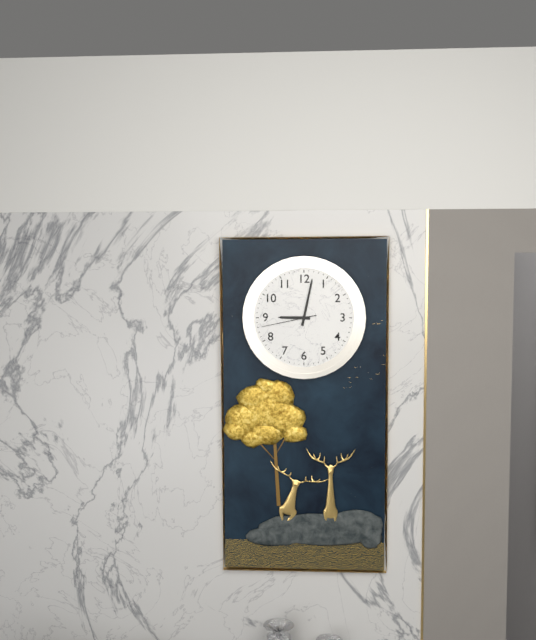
9:02:43
